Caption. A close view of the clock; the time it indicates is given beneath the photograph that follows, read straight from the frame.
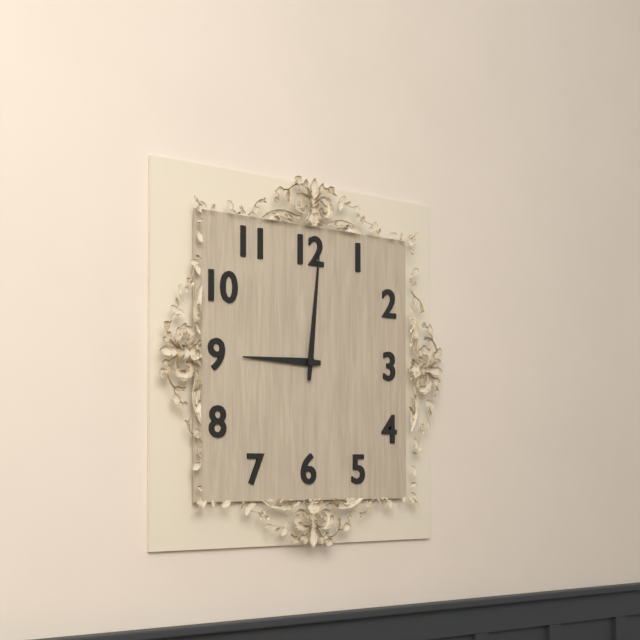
9:01
